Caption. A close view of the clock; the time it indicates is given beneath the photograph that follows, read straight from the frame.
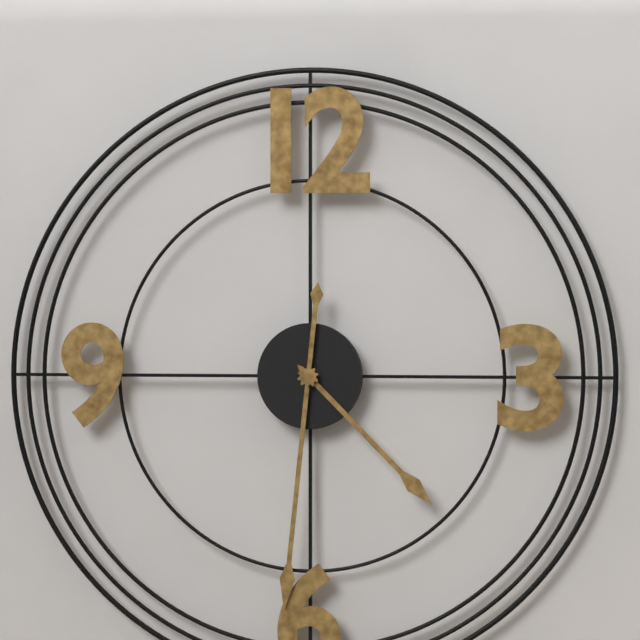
4:31
